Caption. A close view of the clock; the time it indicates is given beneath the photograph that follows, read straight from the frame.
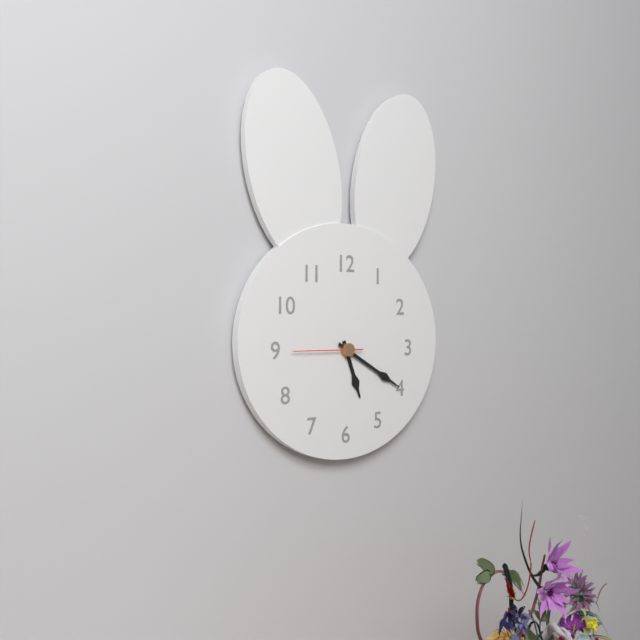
5:20:45
